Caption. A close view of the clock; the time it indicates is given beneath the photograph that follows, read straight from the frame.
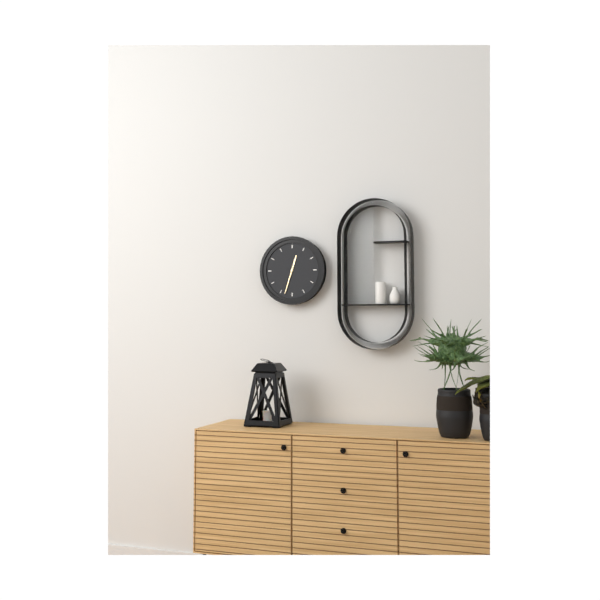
12:33
